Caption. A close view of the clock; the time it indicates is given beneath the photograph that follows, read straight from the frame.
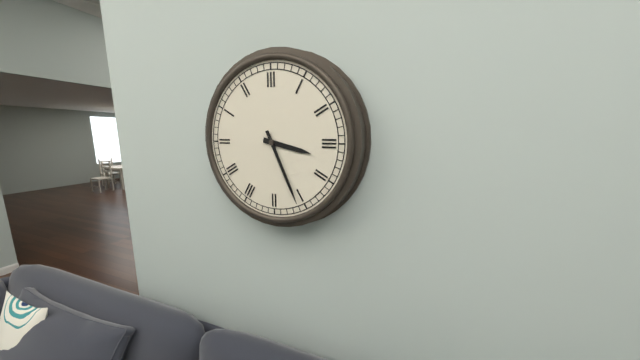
3:26
